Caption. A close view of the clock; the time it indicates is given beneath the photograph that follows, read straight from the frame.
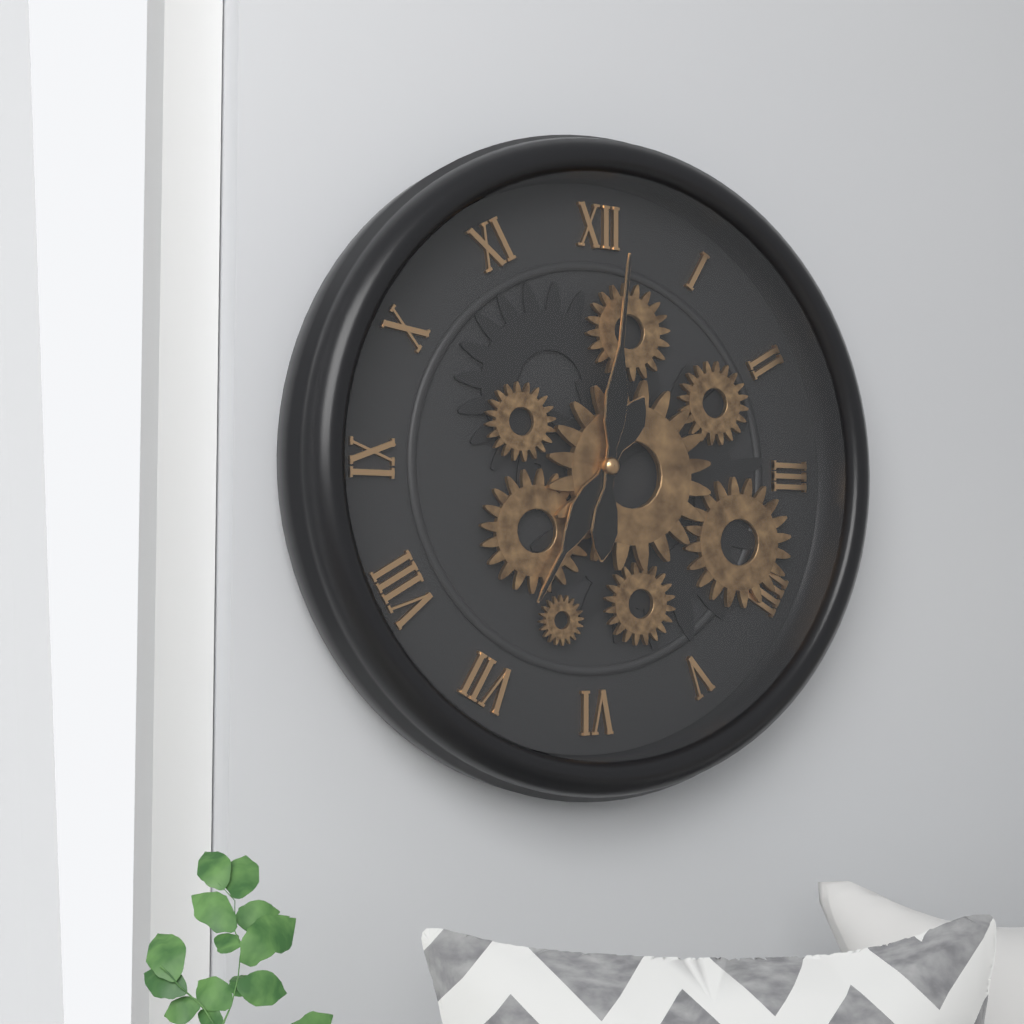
7:01
